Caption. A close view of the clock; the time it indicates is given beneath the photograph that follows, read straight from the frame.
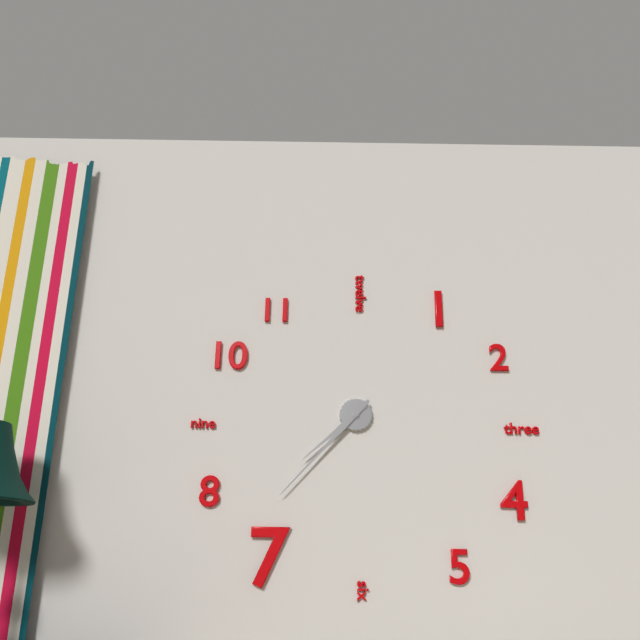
7:37
